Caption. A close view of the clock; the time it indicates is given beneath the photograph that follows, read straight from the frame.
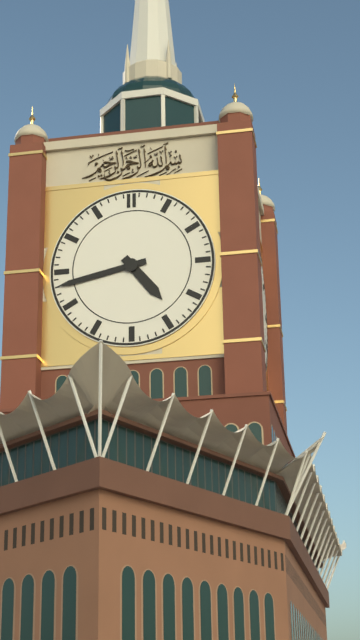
4:43
